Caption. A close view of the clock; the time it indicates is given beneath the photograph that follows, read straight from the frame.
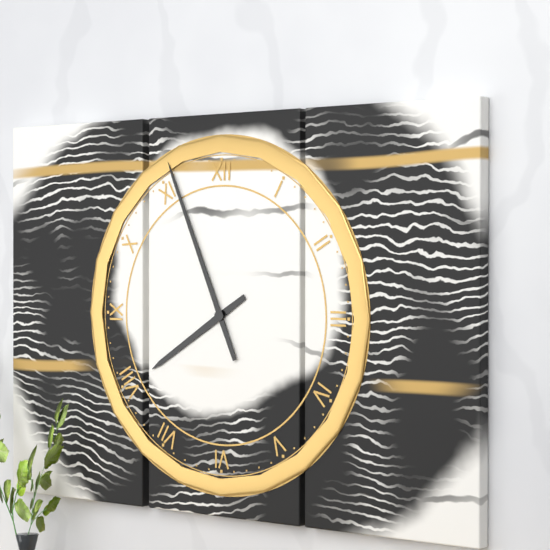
7:56
